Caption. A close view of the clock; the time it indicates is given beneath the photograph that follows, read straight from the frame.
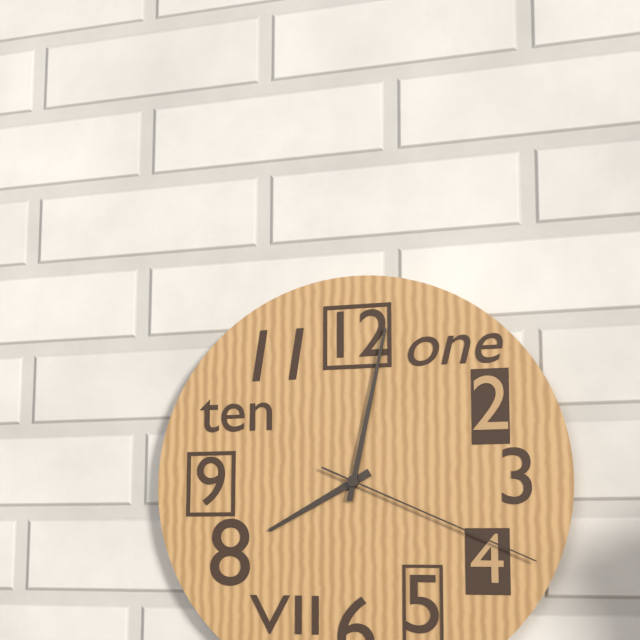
8:02:19
